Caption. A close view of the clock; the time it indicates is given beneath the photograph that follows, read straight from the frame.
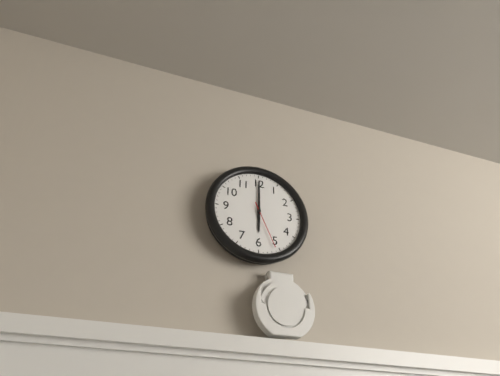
6:00
